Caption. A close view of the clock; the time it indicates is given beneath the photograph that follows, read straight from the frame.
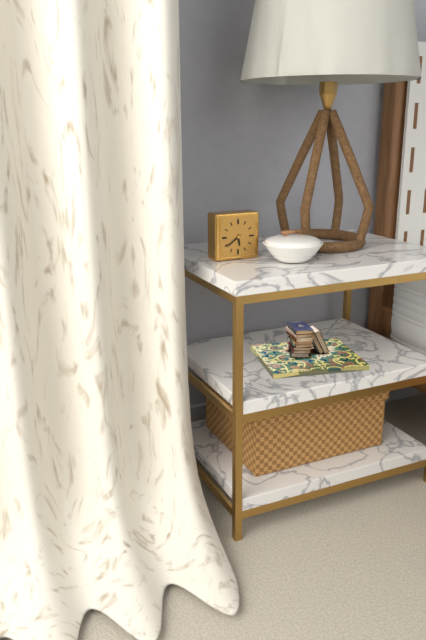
5:39
